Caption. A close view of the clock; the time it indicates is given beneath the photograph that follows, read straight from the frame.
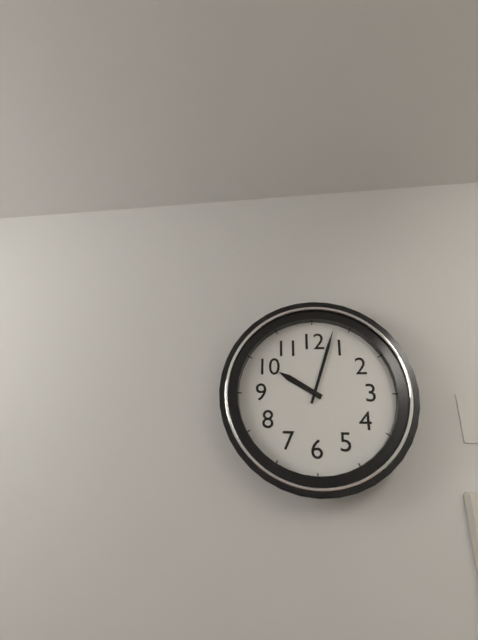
10:03
